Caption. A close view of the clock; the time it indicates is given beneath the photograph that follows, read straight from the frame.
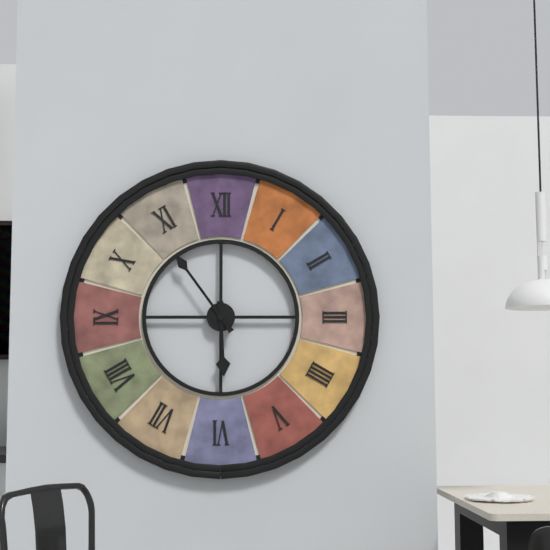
5:54
